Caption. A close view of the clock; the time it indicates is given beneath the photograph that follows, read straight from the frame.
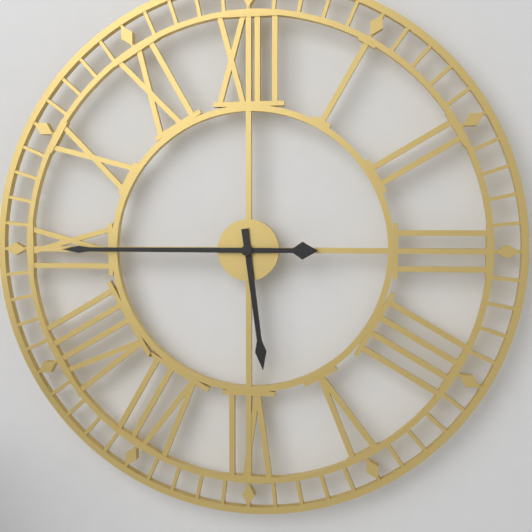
5:45
